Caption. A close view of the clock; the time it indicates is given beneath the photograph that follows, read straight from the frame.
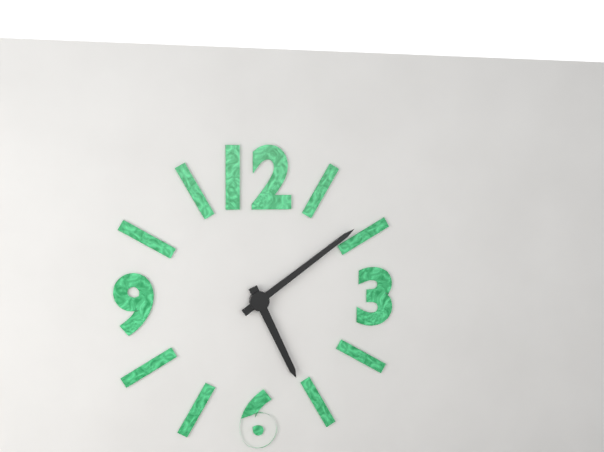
5:09
